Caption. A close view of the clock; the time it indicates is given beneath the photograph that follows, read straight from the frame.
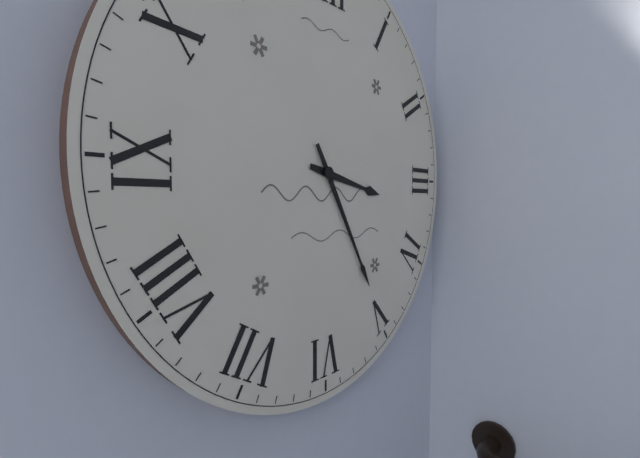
3:25
